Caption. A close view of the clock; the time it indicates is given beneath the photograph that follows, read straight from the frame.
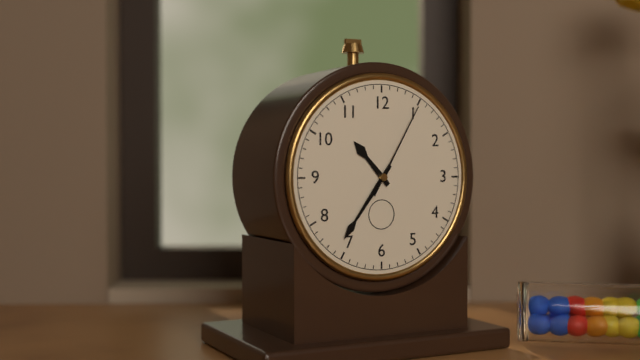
10:36:05
